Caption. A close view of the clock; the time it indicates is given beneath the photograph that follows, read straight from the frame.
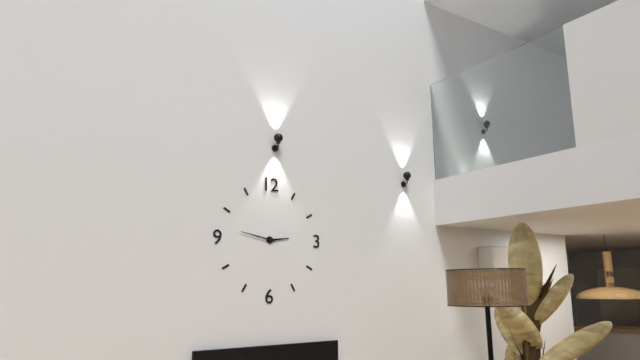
2:47
